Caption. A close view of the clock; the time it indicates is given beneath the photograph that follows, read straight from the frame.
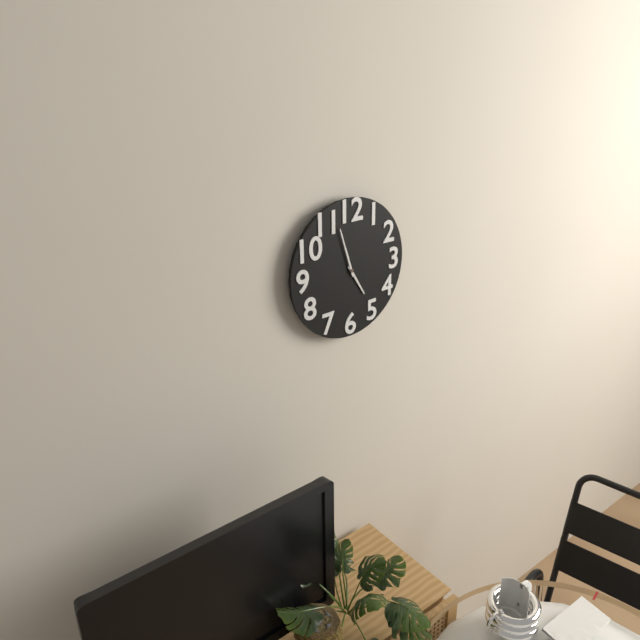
4:57
